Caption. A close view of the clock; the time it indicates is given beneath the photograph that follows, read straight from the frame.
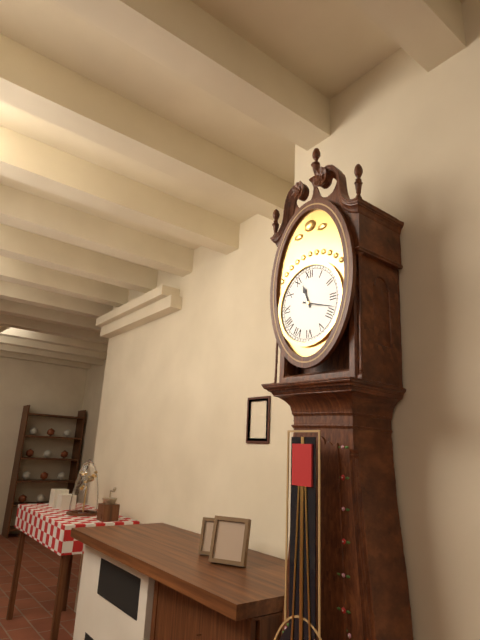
11:18
